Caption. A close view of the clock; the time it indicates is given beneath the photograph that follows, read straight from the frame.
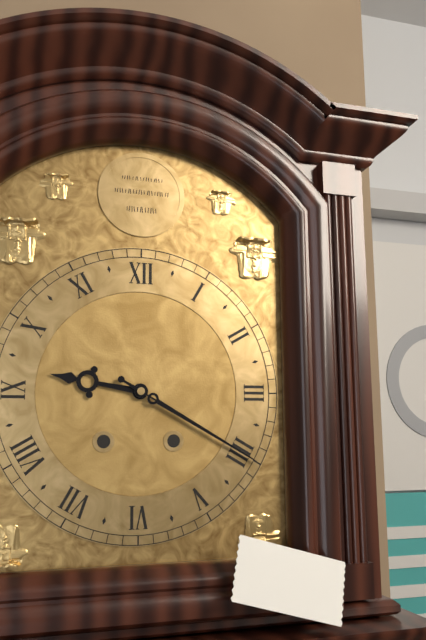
9:20
